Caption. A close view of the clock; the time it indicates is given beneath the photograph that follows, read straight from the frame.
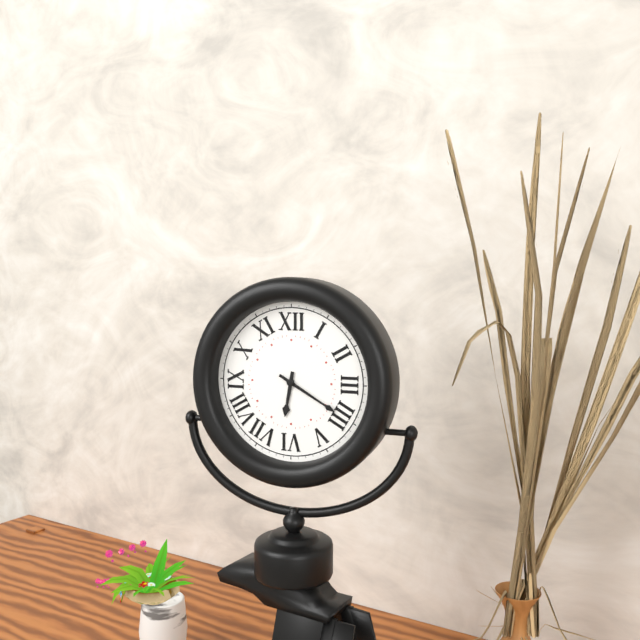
6:20
